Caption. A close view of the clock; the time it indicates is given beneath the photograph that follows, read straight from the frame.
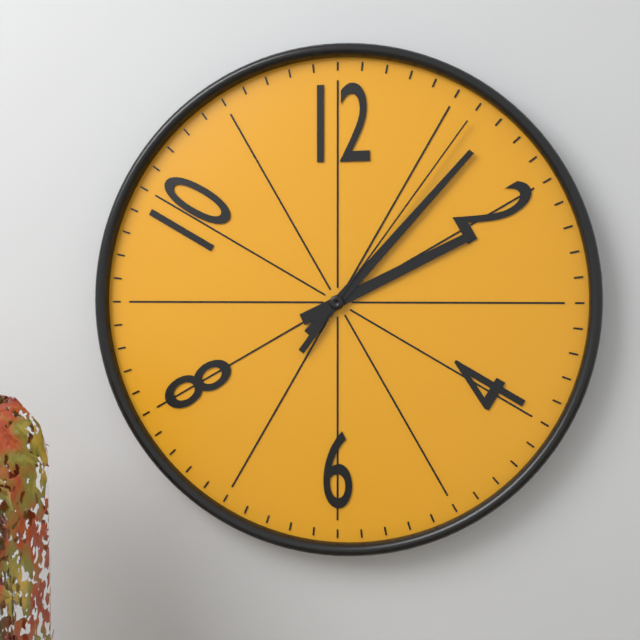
2:07:06
